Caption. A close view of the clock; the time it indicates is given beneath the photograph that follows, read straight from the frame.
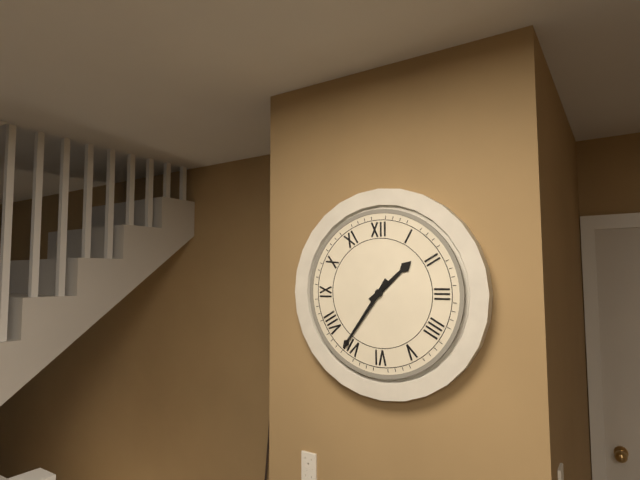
1:36
